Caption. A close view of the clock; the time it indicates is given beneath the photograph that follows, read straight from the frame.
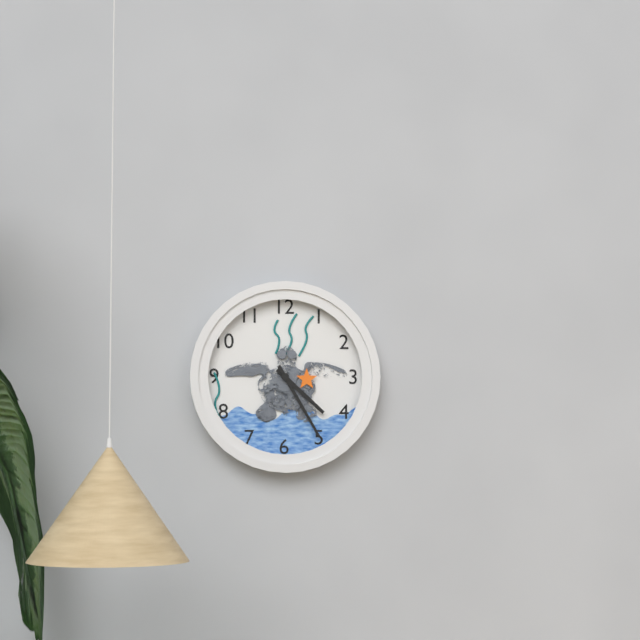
4:25
